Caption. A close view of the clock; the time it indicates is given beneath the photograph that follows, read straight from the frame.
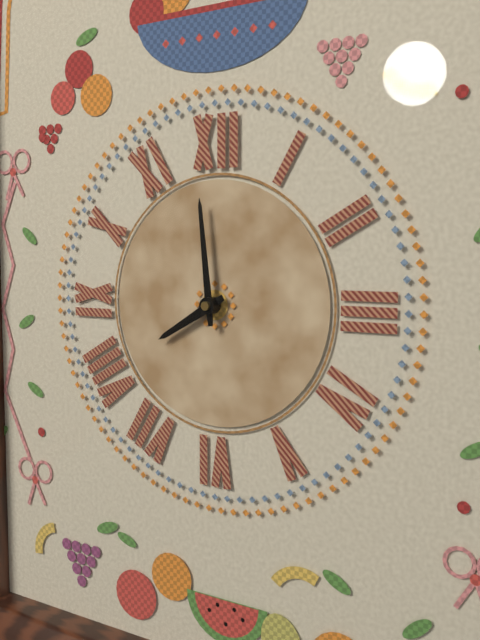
7:59
